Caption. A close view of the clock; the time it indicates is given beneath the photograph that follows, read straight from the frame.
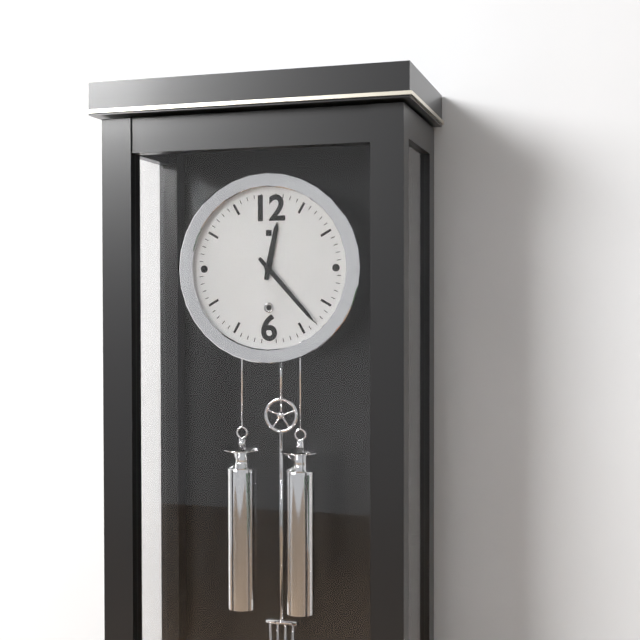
12:23
